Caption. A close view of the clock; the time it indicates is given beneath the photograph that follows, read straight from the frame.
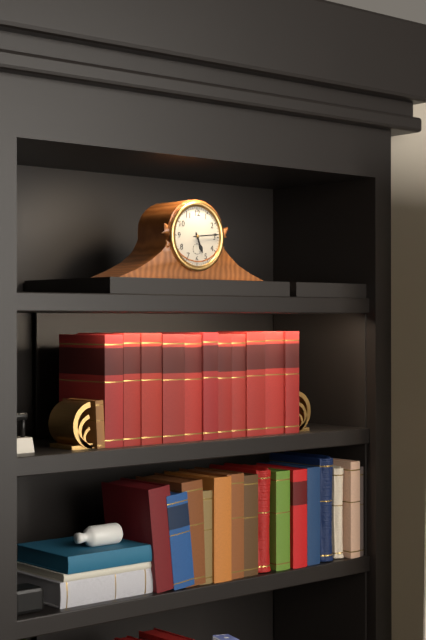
5:14
